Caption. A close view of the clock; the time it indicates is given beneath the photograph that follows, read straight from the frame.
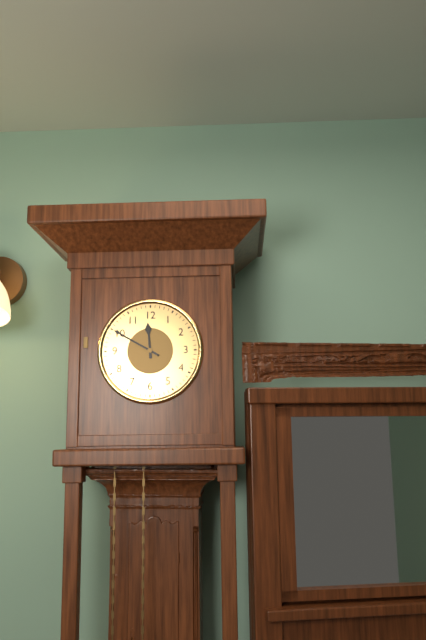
11:50
